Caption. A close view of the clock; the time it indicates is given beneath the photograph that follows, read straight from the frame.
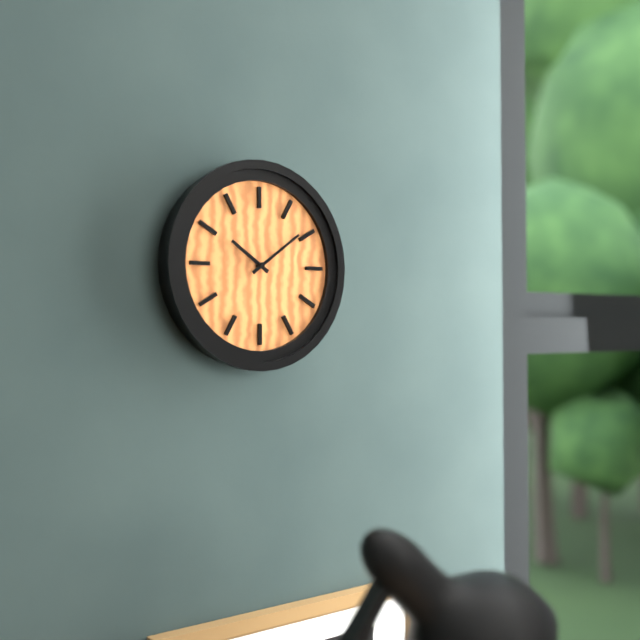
10:09
